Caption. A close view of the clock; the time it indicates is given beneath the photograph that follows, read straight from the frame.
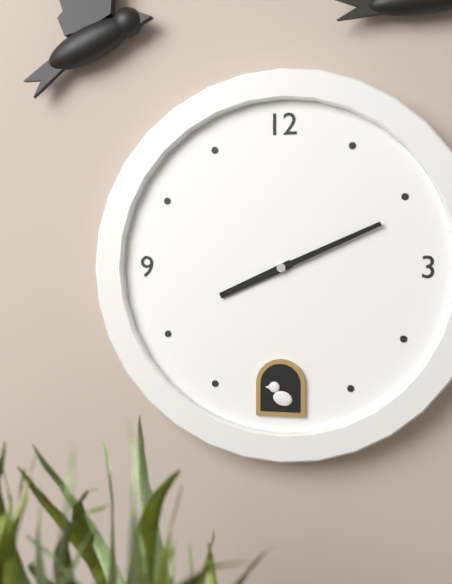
8:11
